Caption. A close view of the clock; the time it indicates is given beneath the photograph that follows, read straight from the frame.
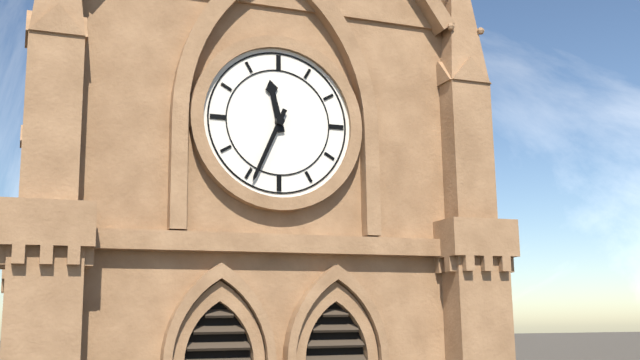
11:34
